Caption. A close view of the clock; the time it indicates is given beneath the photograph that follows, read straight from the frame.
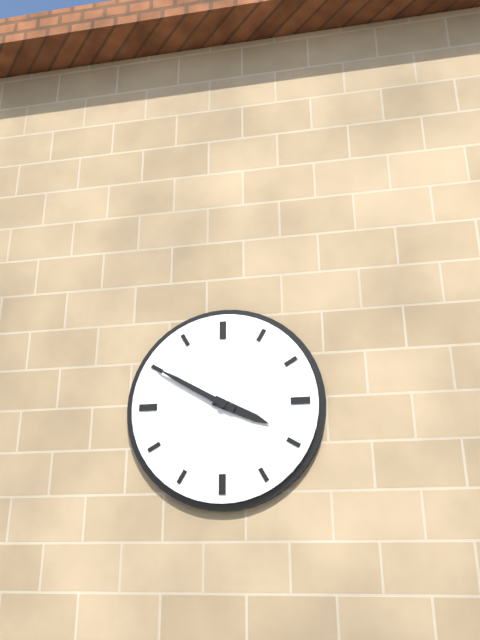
3:50
